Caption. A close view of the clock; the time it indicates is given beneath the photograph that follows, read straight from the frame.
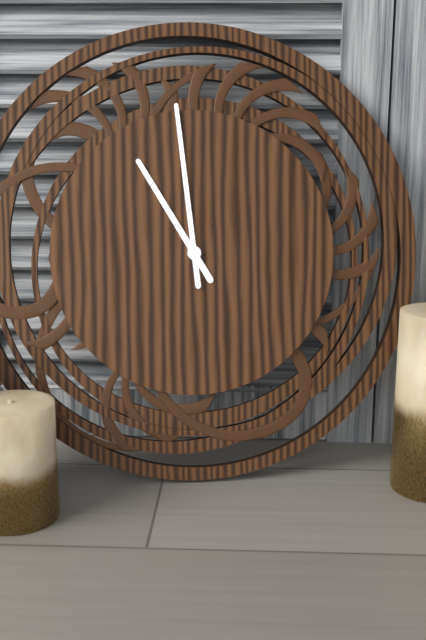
10:59
